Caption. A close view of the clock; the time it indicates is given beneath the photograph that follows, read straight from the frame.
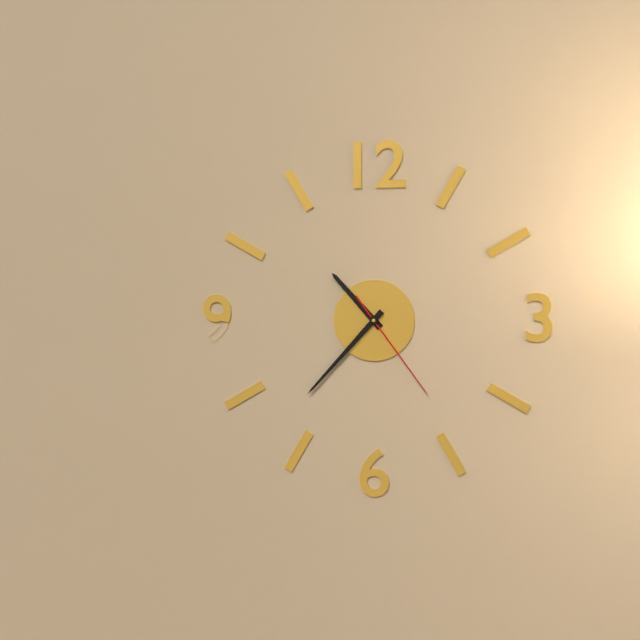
10:37:24
